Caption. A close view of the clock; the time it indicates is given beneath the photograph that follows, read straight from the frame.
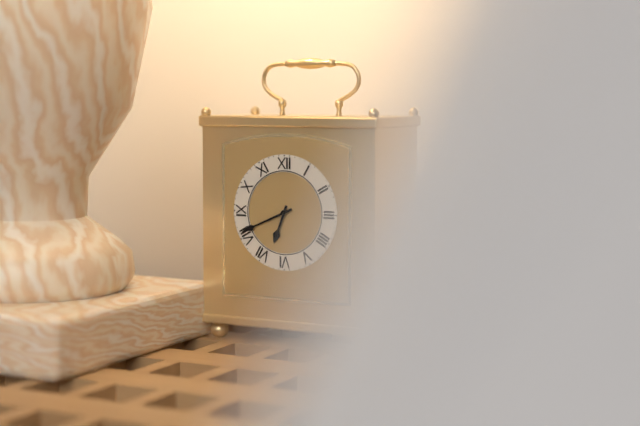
6:41
